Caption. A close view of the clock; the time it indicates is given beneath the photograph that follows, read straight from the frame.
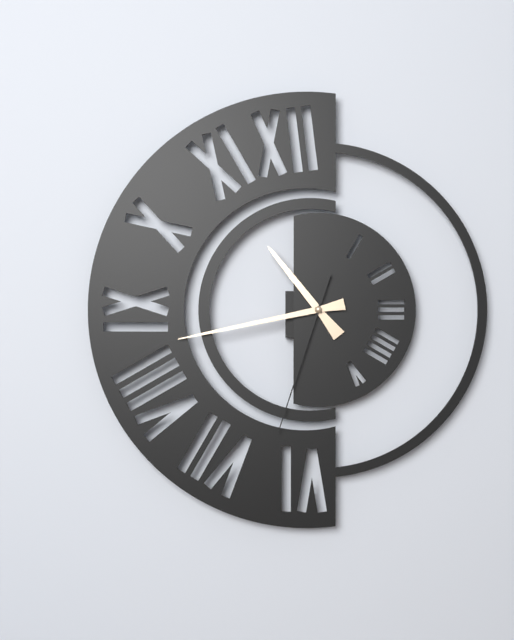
10:43:33
